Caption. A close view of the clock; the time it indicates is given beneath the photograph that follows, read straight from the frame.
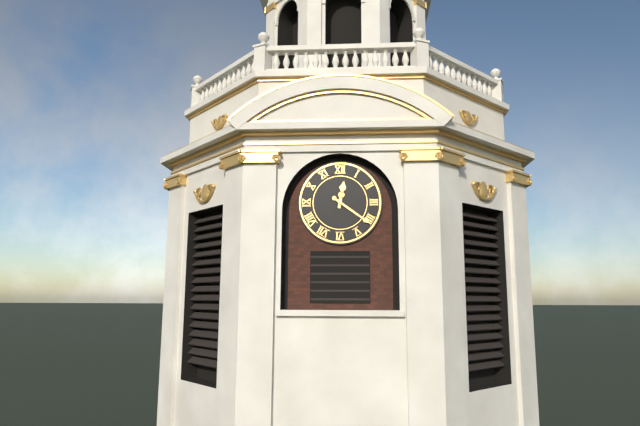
12:21
